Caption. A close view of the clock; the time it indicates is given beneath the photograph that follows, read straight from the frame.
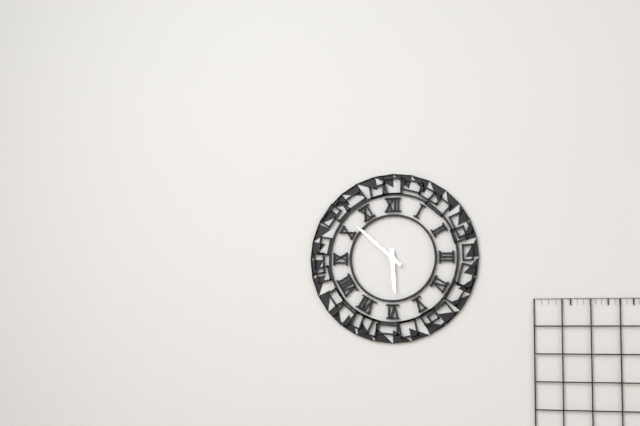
5:52
